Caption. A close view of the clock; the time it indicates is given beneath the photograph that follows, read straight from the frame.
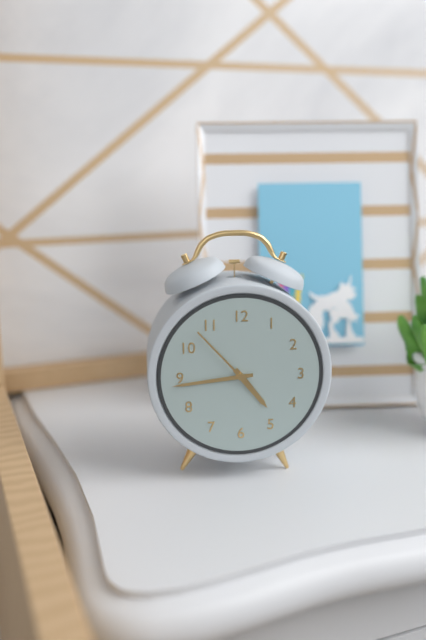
4:44:53
